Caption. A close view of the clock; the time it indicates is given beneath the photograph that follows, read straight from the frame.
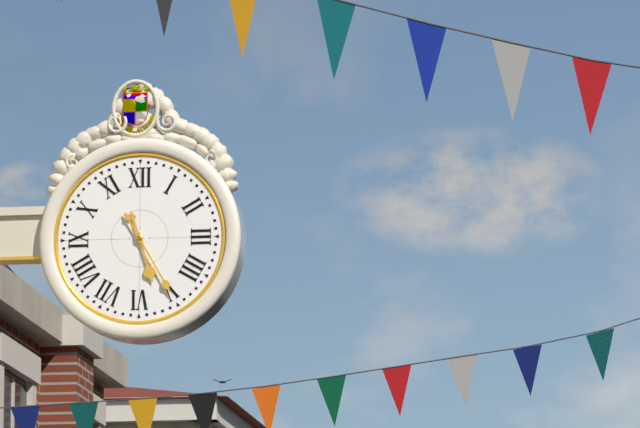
5:25
